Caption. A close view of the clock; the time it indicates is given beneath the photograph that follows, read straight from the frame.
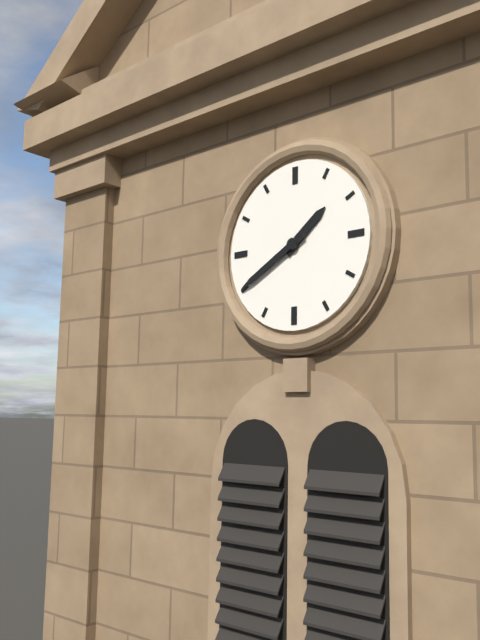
1:40
